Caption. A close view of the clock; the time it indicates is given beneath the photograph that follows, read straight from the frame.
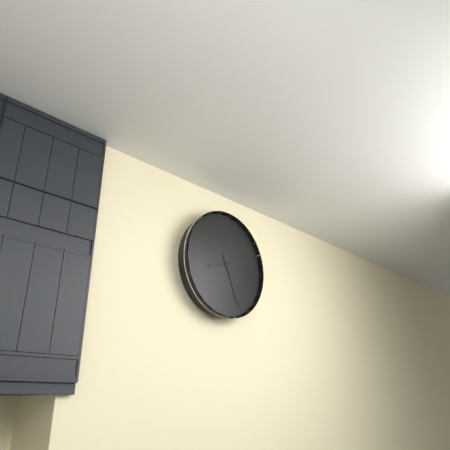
8:26
